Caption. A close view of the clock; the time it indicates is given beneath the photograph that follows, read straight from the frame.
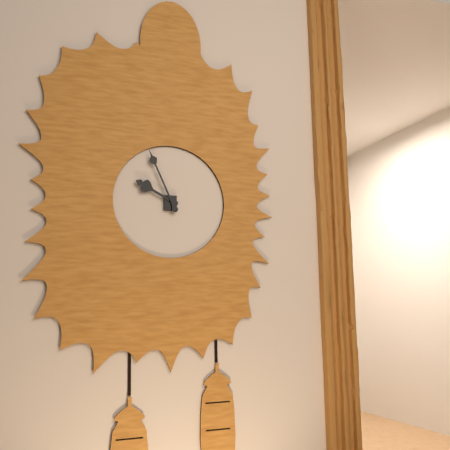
9:56
